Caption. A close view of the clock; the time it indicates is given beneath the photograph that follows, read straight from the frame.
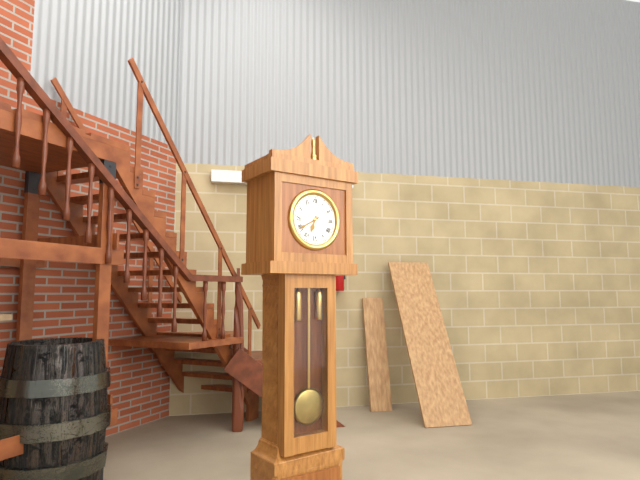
6:40
